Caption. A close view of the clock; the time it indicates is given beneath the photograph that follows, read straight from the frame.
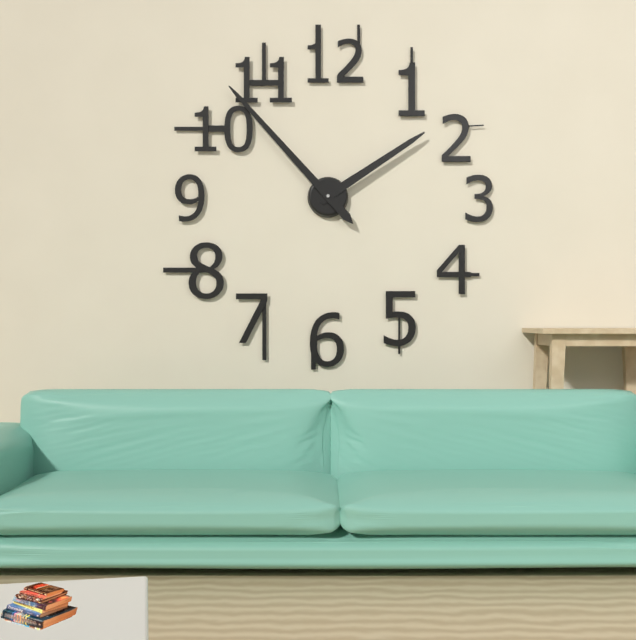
1:53
